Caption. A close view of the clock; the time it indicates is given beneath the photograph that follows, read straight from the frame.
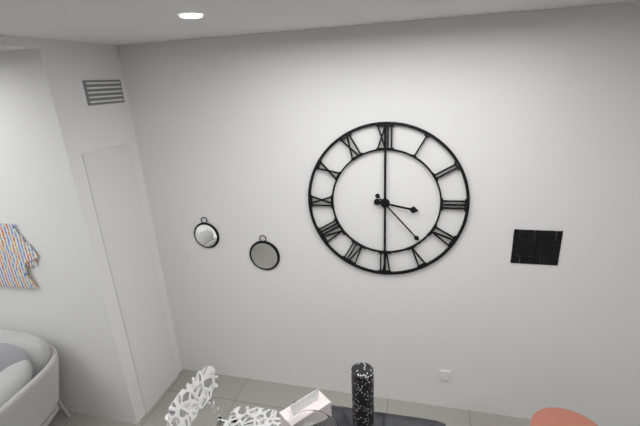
3:23
